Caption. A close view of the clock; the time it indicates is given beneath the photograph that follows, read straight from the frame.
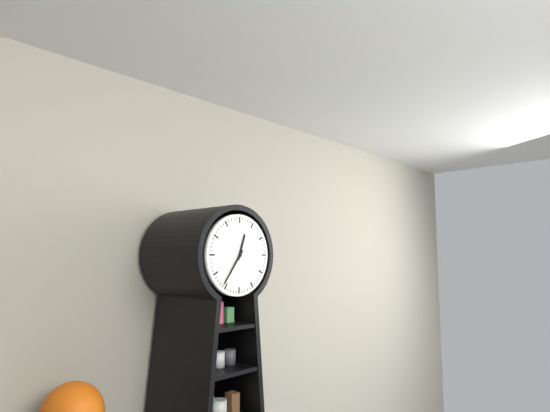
12:36
